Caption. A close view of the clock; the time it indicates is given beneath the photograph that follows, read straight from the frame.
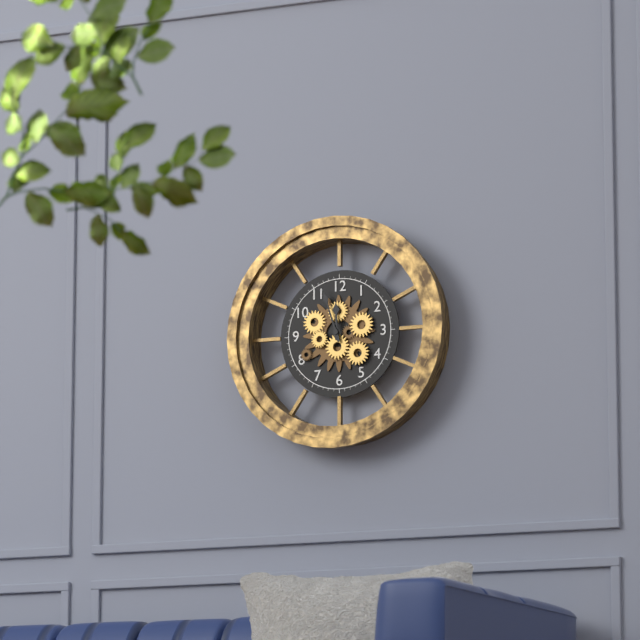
11:57
